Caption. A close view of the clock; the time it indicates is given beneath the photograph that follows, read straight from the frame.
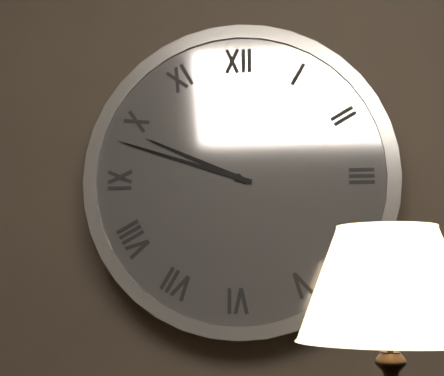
9:48
